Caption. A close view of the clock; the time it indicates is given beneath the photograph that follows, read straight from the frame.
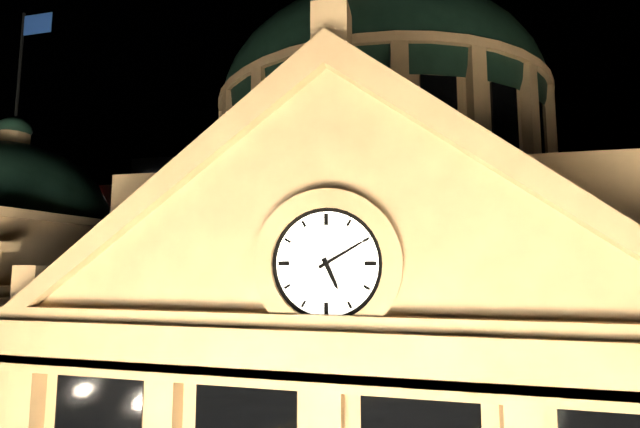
5:10
